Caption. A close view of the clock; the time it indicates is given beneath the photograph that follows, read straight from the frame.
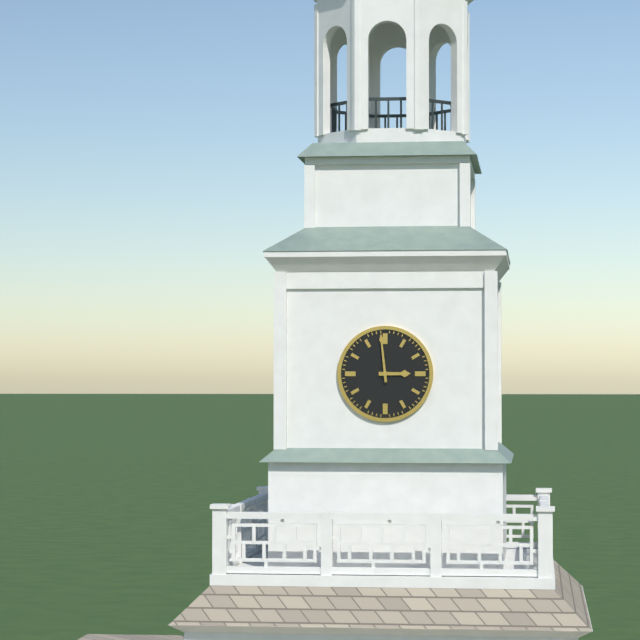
2:59
